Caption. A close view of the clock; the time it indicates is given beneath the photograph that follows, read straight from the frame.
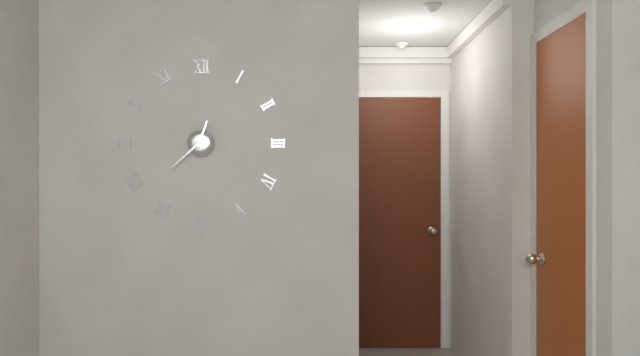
12:38
